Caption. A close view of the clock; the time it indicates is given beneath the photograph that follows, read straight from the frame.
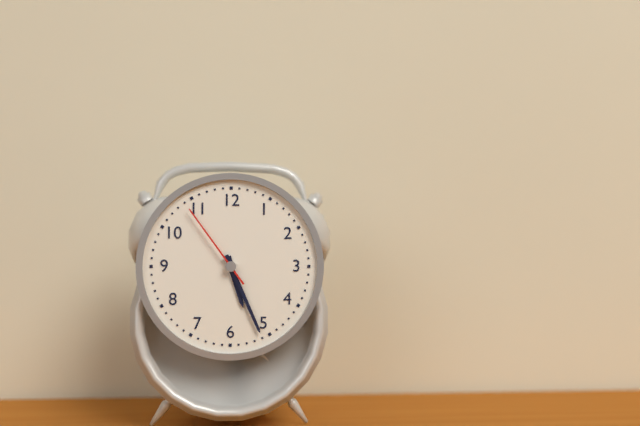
5:26:54
